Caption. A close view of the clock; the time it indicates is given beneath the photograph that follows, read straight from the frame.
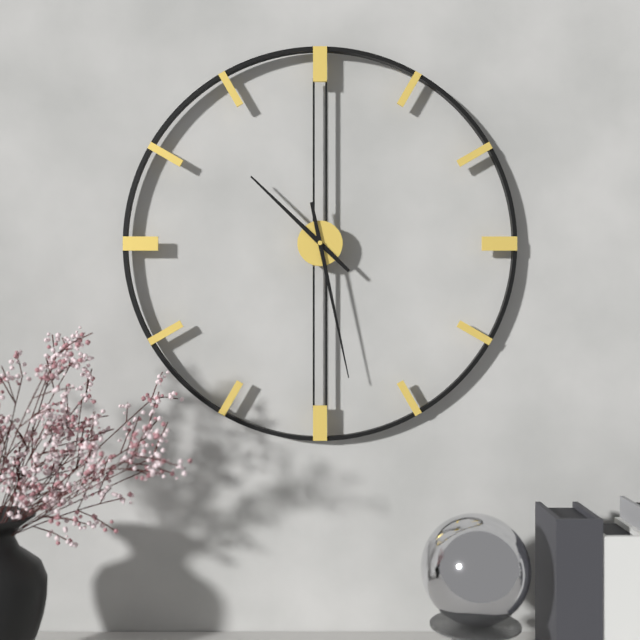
10:28
